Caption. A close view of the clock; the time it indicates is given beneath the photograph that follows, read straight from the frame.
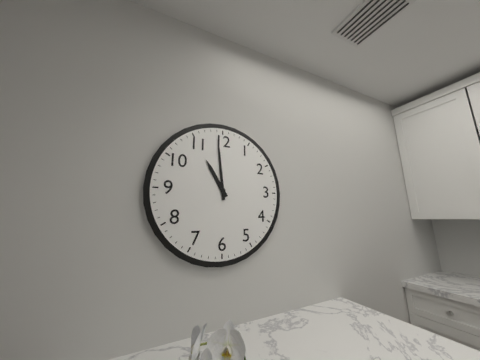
10:59
